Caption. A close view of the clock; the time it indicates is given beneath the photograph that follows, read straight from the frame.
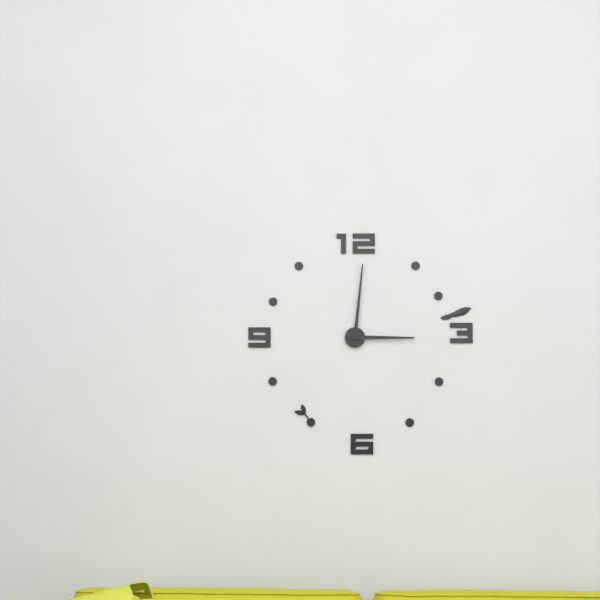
3:01
